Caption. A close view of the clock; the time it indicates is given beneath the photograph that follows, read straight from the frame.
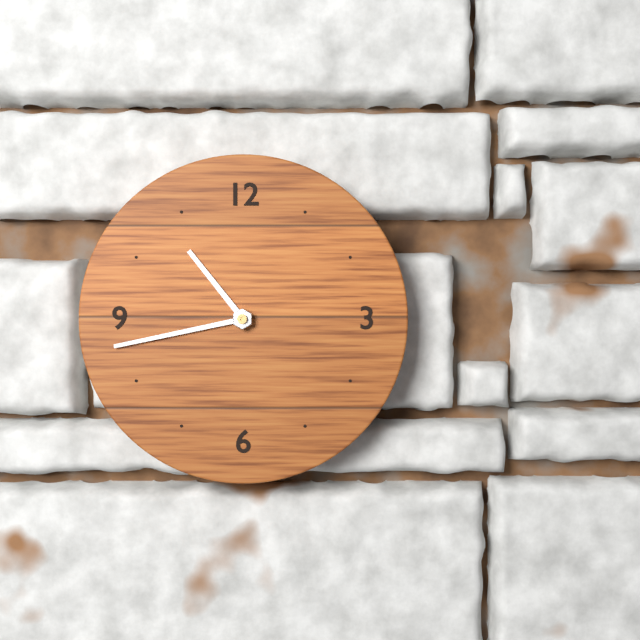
10:43
